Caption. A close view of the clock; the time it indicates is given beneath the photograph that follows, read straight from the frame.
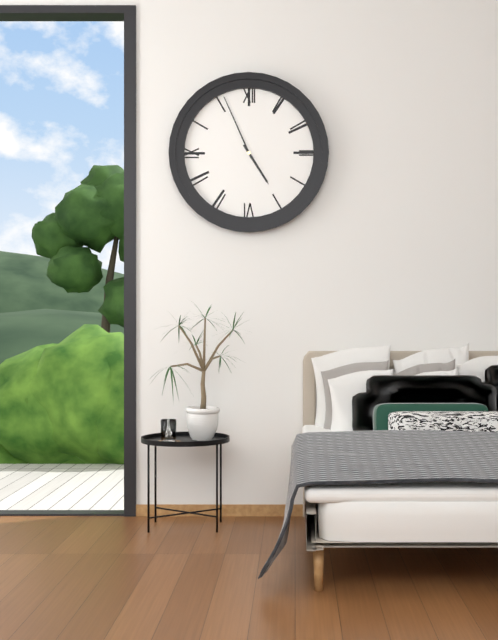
4:56
